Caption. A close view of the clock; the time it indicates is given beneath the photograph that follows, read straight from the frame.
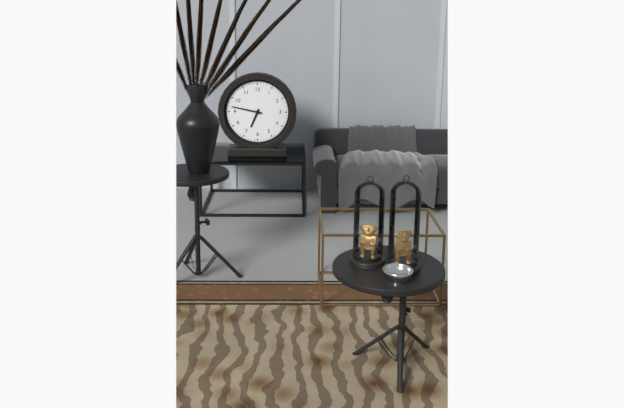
6:47
